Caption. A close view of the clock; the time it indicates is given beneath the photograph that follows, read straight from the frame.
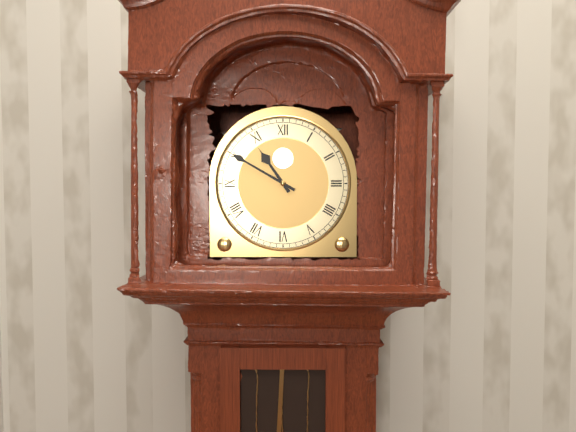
10:50
